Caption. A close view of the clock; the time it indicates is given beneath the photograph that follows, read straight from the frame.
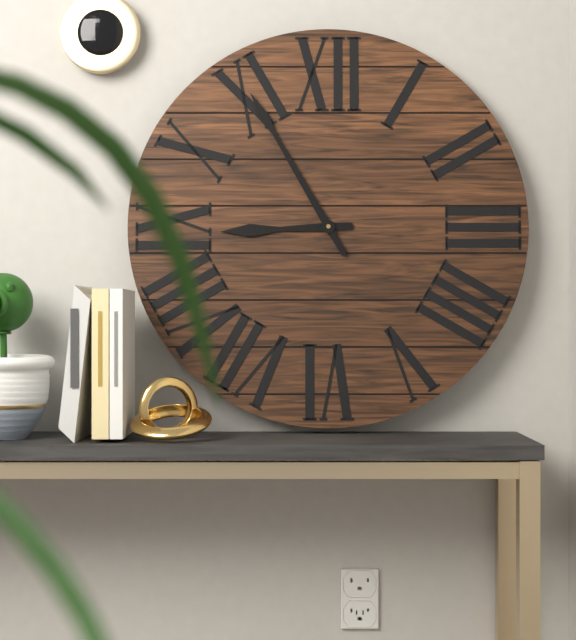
8:55
